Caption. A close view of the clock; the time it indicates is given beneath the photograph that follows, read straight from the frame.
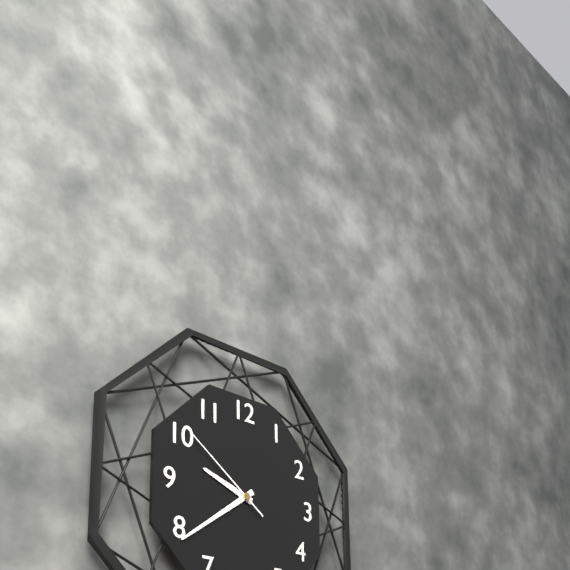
9:39:51
